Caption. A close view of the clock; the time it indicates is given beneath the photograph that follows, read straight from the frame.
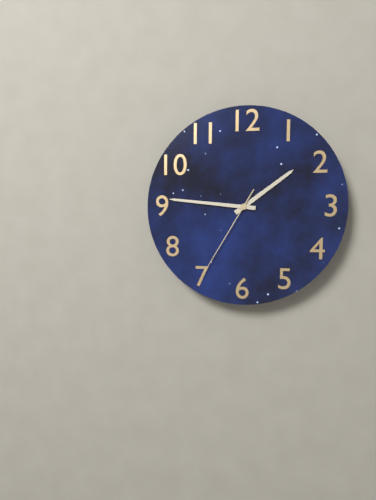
1:46:35
